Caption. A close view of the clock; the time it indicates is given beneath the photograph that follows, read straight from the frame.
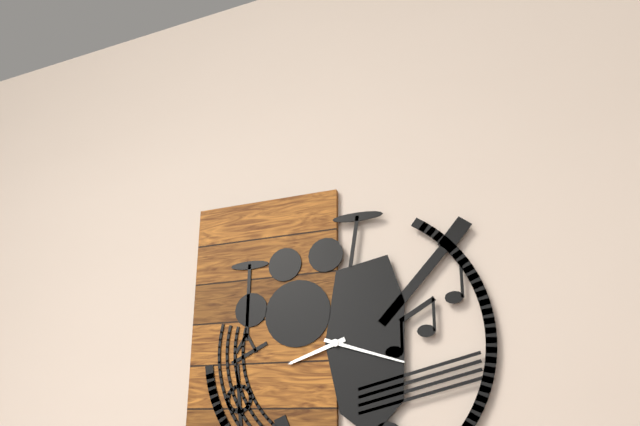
8:18
